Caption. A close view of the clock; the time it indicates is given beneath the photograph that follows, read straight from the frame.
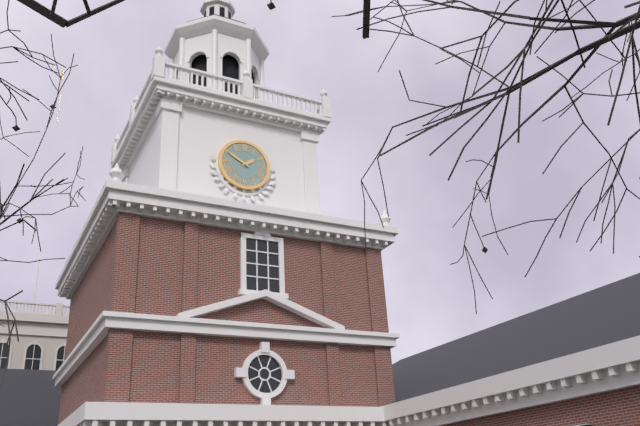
1:50
